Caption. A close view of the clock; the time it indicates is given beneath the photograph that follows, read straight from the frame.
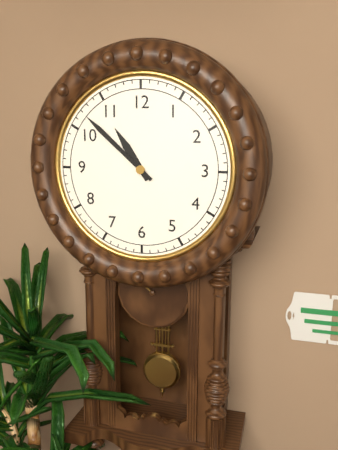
10:52
